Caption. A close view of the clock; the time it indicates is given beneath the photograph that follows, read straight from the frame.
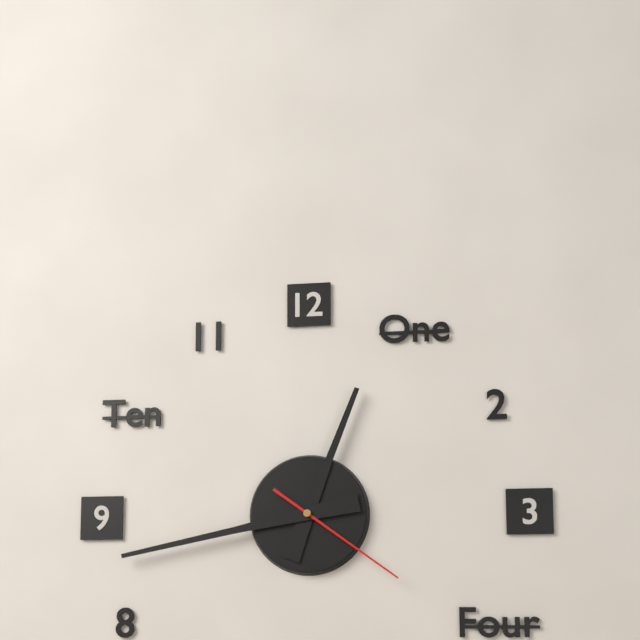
12:43:21
